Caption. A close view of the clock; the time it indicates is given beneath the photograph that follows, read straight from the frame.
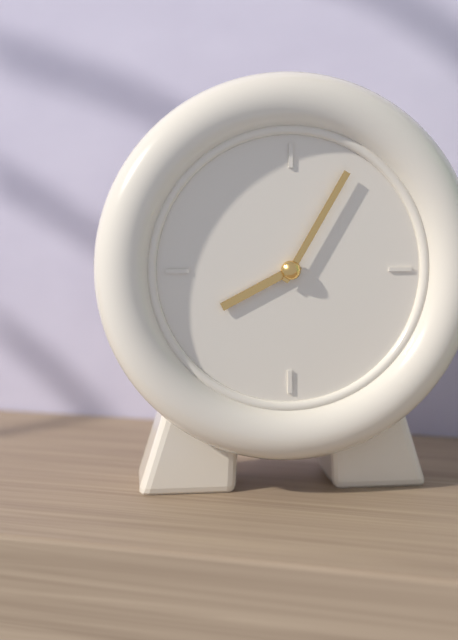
8:05
